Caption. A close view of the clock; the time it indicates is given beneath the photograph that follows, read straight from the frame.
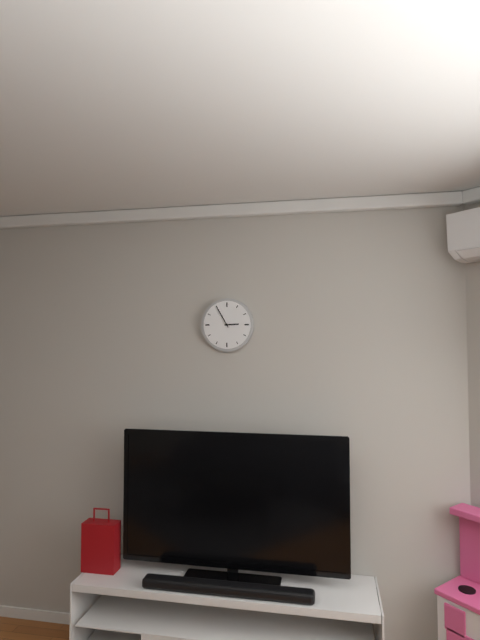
2:55
